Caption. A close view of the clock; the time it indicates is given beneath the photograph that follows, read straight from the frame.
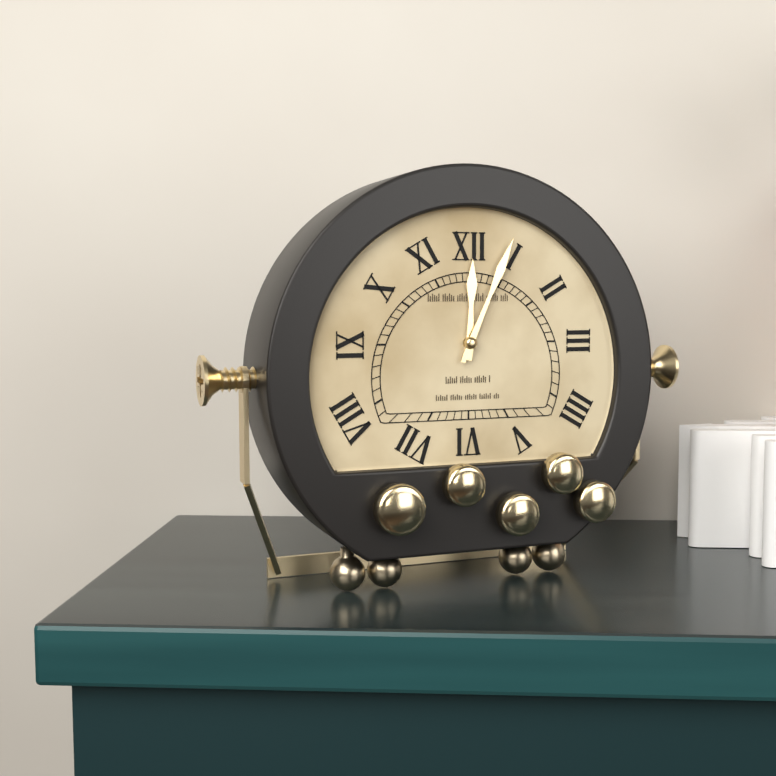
12:04
